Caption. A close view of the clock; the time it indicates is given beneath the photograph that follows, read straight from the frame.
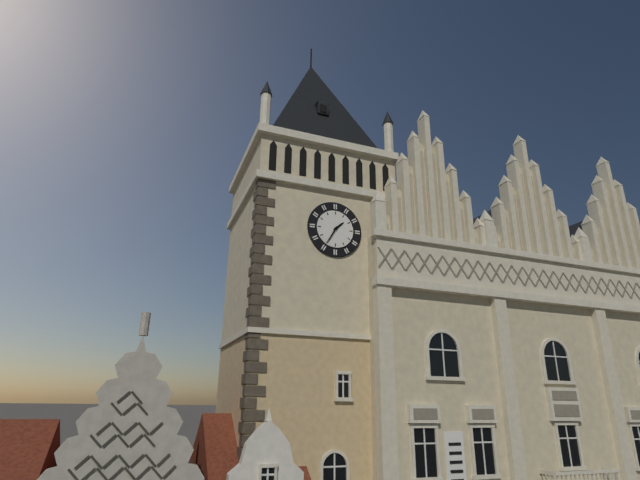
1:35
